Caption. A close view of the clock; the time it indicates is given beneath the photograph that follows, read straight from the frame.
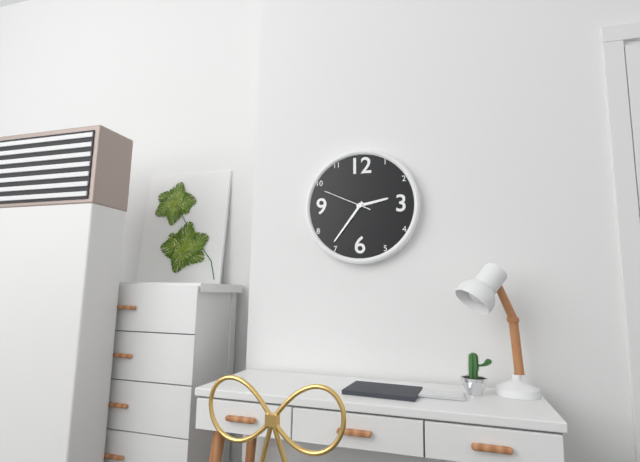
2:36
